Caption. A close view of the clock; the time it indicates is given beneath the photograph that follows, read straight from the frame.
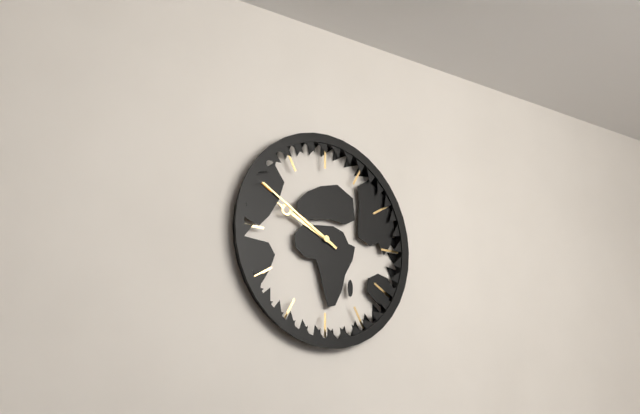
9:50
